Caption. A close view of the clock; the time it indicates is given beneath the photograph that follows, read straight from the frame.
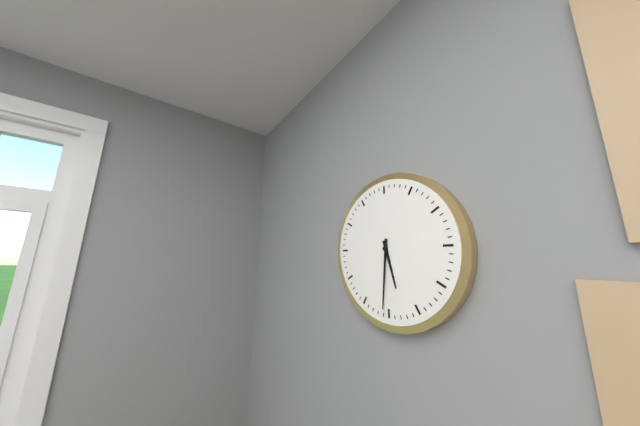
5:31
